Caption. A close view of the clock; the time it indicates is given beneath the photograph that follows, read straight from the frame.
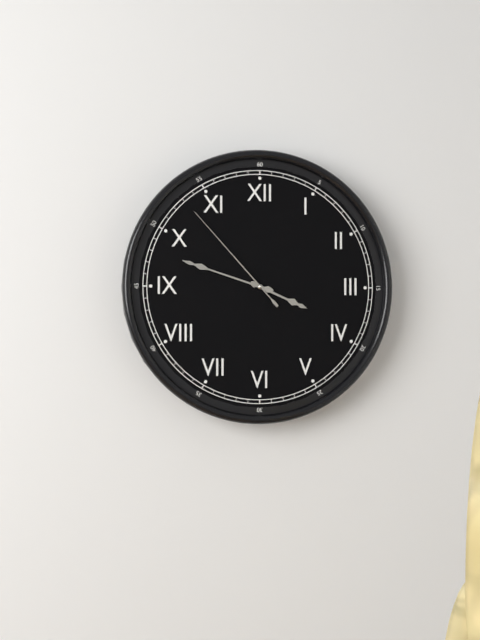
3:48:53
